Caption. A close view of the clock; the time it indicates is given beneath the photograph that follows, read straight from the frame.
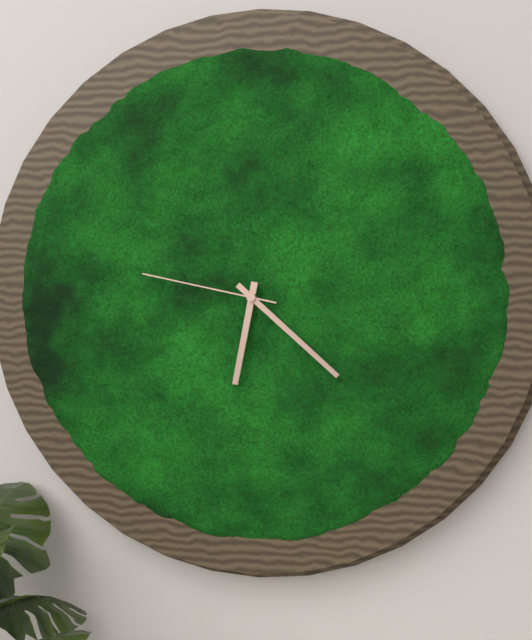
6:22:47
